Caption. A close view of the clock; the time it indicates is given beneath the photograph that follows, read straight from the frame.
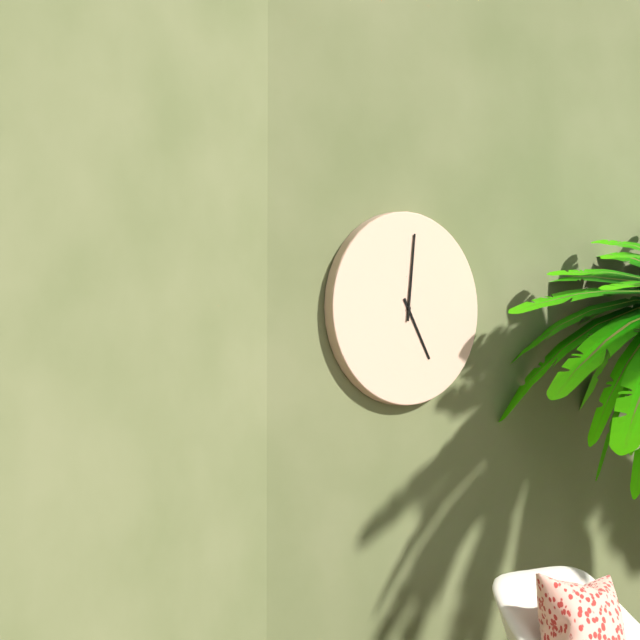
5:01
